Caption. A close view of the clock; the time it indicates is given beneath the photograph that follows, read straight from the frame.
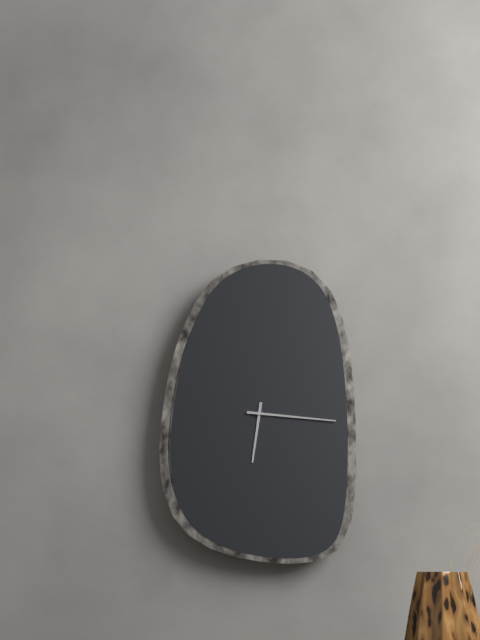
6:16
